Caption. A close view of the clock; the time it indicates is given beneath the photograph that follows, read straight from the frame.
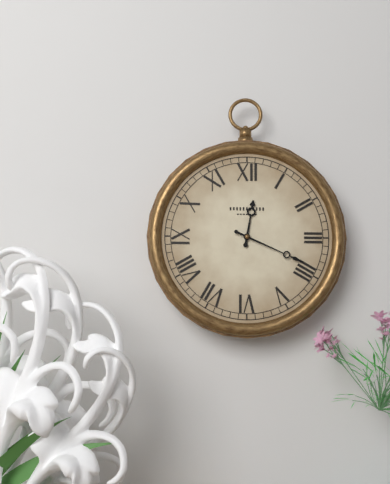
12:19
